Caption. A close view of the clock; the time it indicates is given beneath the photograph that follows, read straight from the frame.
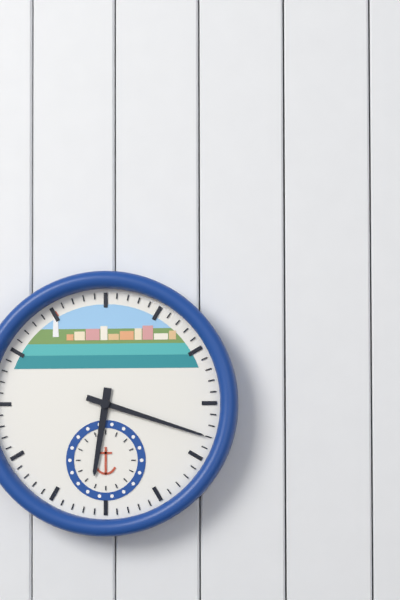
6:18
